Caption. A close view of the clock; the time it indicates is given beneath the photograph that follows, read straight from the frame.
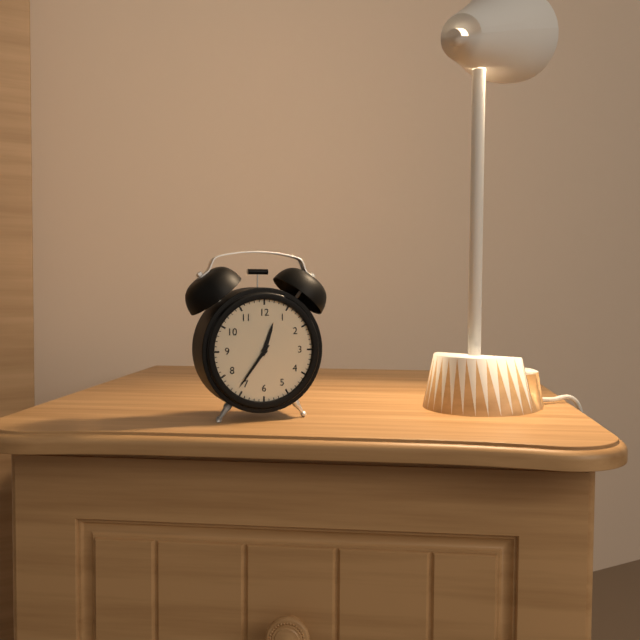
12:36
